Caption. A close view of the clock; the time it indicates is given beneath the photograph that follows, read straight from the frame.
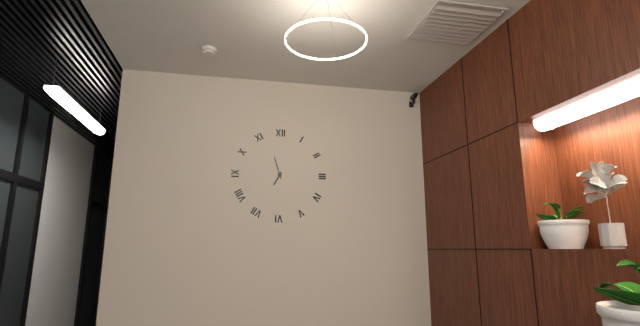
6:57
